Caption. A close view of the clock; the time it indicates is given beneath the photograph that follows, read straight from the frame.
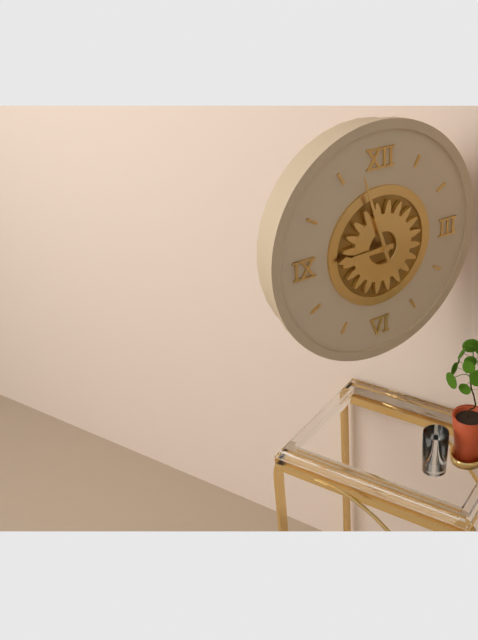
8:57
